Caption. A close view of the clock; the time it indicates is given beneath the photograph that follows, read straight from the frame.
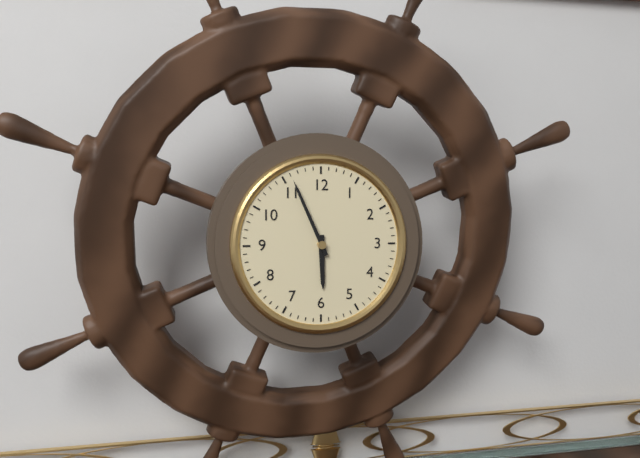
5:56
